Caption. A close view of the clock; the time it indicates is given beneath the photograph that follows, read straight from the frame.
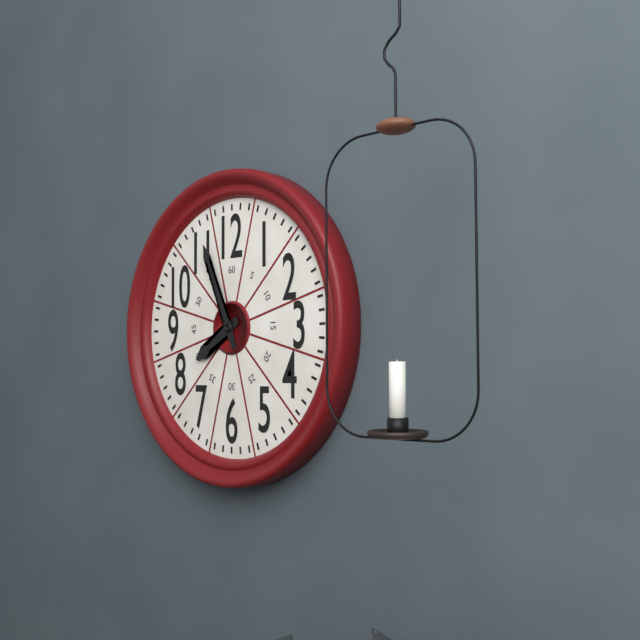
7:56
